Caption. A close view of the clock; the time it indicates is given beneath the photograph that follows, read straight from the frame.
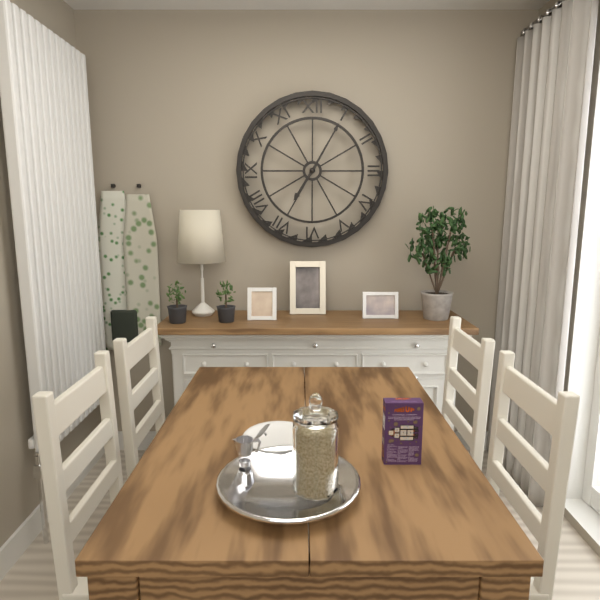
7:05
